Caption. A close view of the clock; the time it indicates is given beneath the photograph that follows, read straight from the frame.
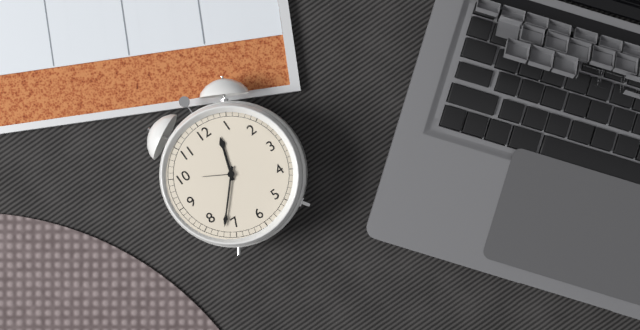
12:37
